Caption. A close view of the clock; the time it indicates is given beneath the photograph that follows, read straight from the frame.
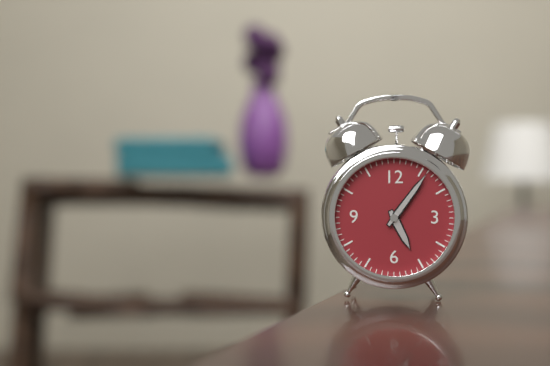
5:06
